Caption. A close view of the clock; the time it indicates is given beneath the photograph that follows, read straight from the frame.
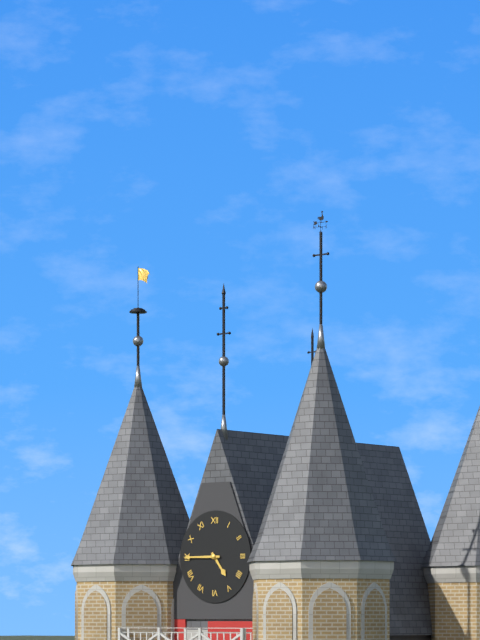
4:45
